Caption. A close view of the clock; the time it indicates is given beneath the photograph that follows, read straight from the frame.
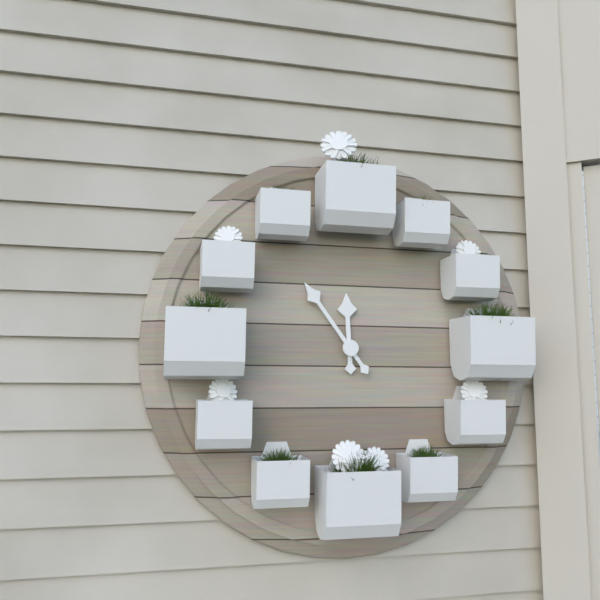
11:54
